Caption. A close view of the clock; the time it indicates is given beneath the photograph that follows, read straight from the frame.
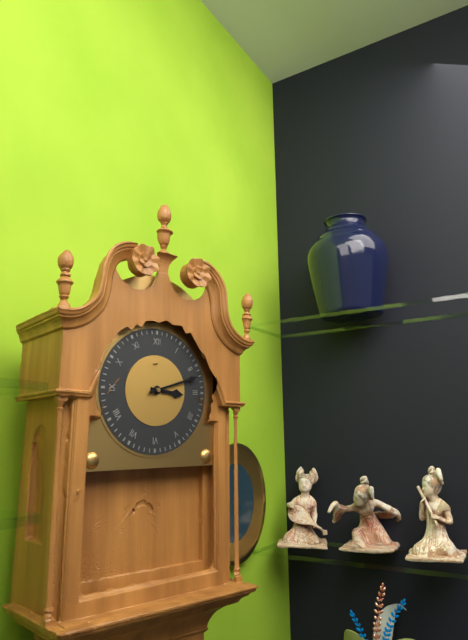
3:12
